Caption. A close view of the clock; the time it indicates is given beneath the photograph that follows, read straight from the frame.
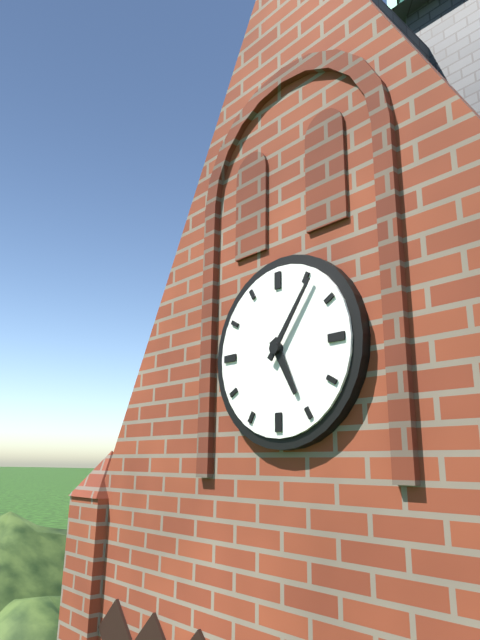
5:06
